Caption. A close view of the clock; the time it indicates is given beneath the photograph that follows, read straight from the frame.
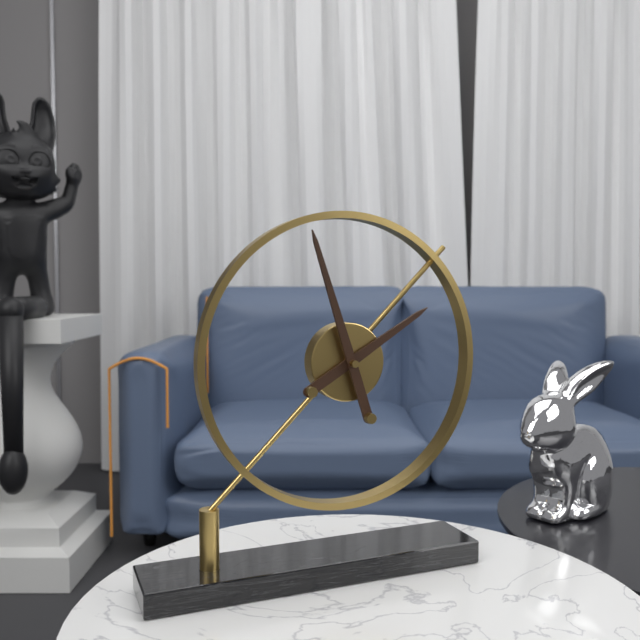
1:57
